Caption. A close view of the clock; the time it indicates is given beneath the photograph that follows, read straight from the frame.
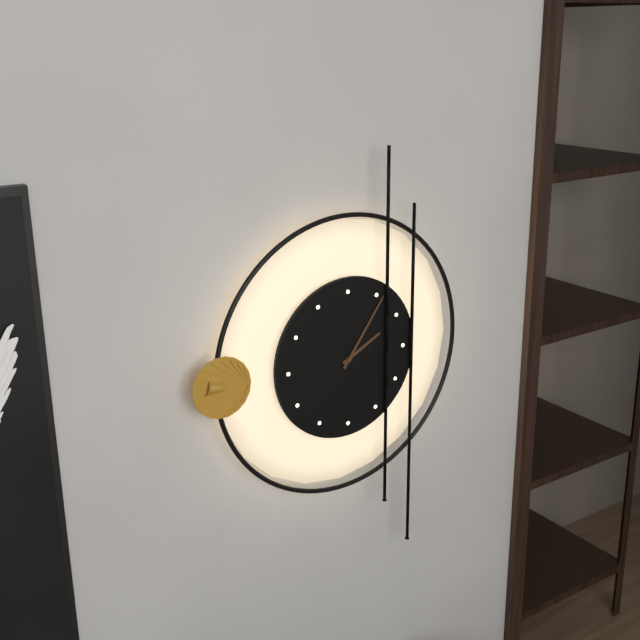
2:06
